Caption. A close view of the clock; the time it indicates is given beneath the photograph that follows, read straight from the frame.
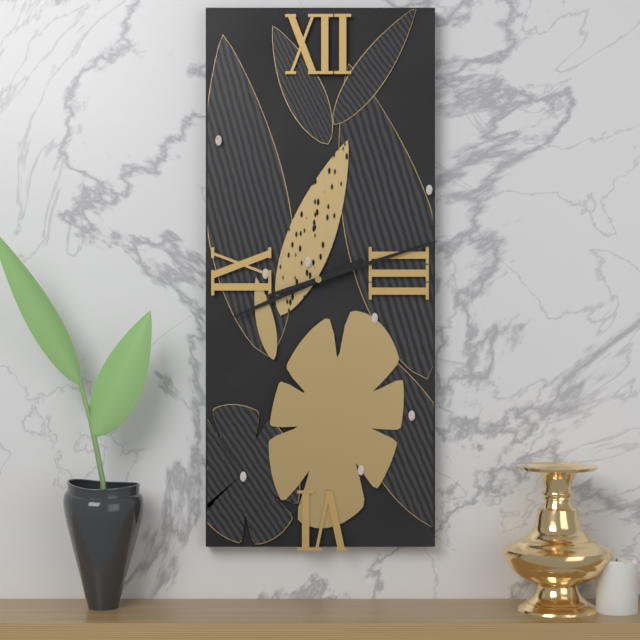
8:12
